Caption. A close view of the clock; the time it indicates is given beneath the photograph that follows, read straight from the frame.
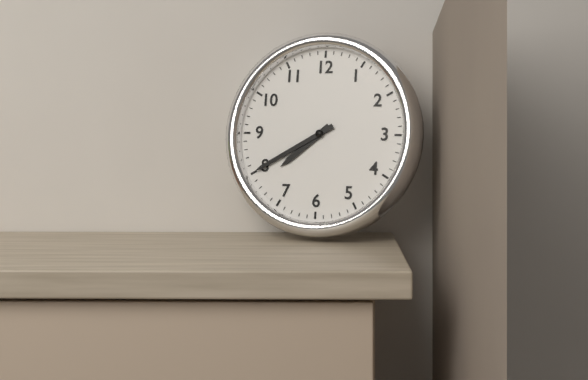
7:40
